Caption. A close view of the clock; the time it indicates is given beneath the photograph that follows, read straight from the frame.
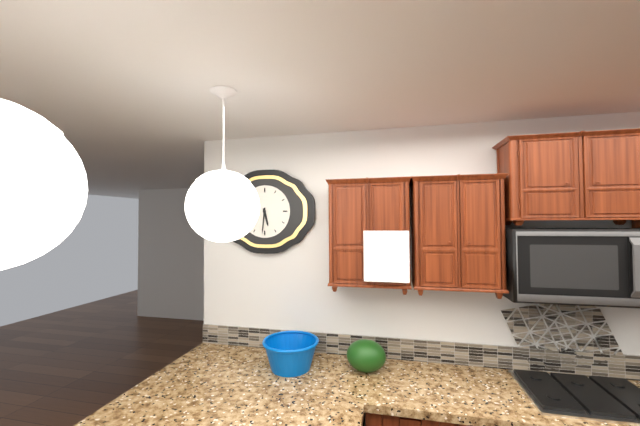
5:31
